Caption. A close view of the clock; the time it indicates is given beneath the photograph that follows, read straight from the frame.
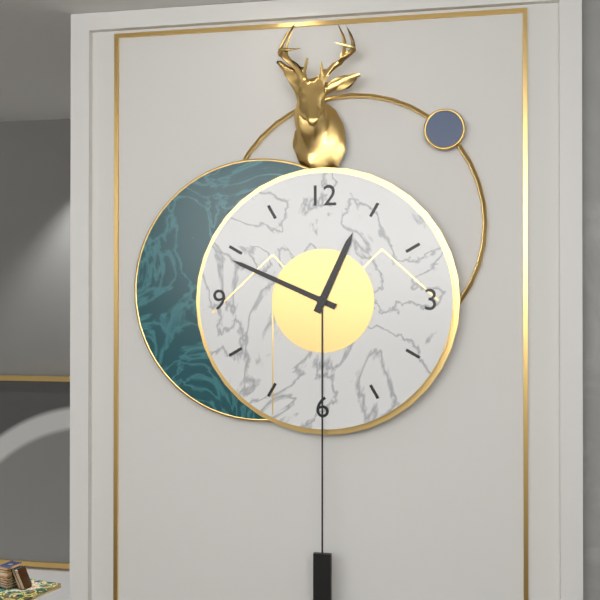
12:49
